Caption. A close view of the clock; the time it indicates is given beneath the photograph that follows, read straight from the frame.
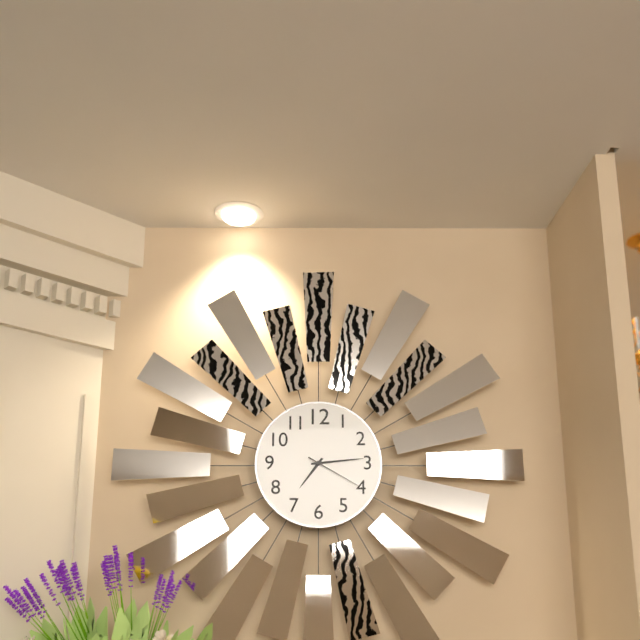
7:14:20
